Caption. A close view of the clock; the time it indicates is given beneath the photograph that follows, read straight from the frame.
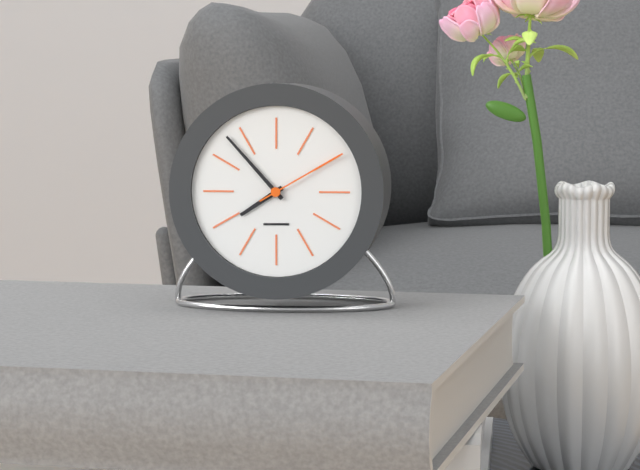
7:53:10
